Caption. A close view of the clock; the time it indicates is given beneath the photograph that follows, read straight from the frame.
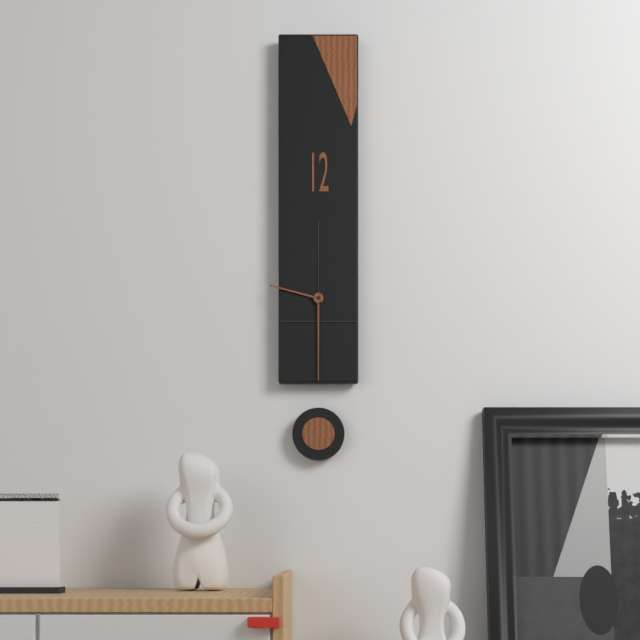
9:30
